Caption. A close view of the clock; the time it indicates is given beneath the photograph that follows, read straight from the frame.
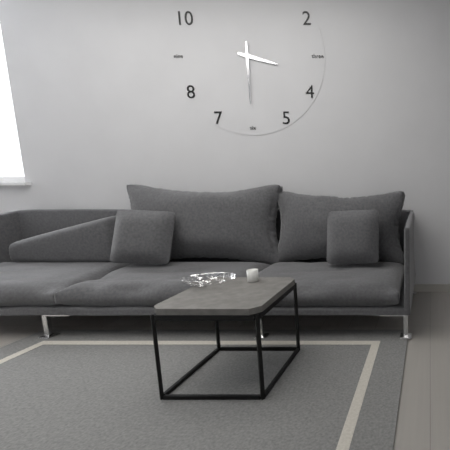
3:30
